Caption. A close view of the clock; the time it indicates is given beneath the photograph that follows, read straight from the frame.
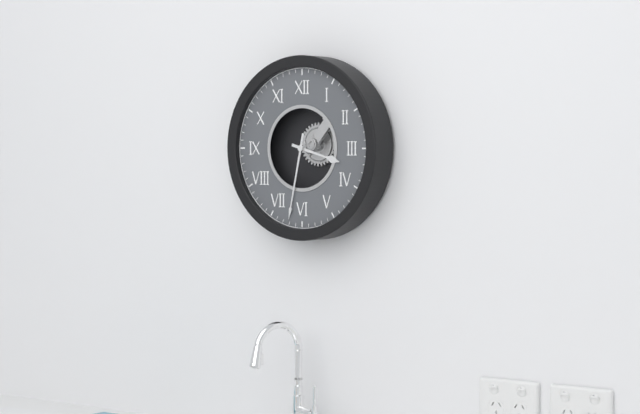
3:32
